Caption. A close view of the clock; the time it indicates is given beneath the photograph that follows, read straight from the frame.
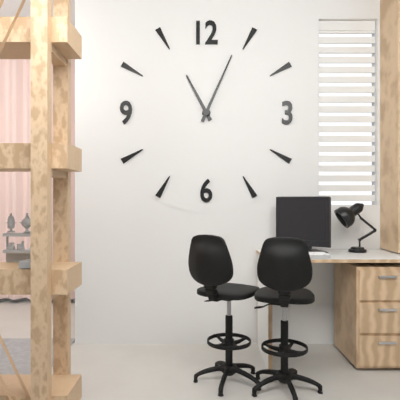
11:04
